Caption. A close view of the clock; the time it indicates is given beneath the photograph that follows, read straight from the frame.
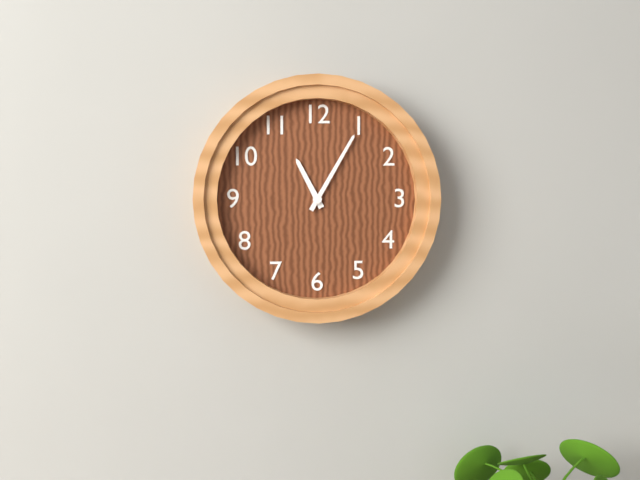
11:05
